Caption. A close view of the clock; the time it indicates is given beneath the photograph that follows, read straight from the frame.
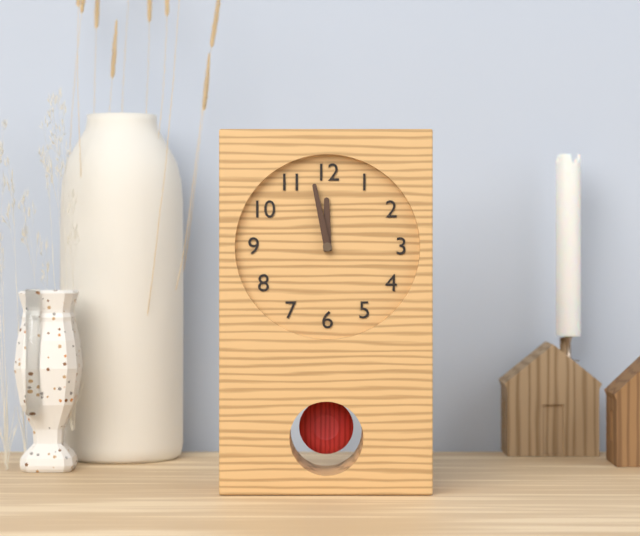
11:58
